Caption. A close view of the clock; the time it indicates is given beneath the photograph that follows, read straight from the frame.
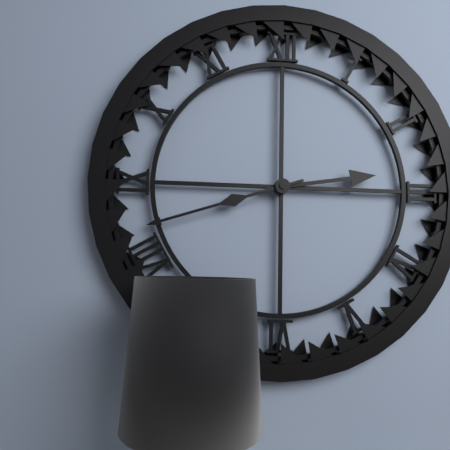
2:42
